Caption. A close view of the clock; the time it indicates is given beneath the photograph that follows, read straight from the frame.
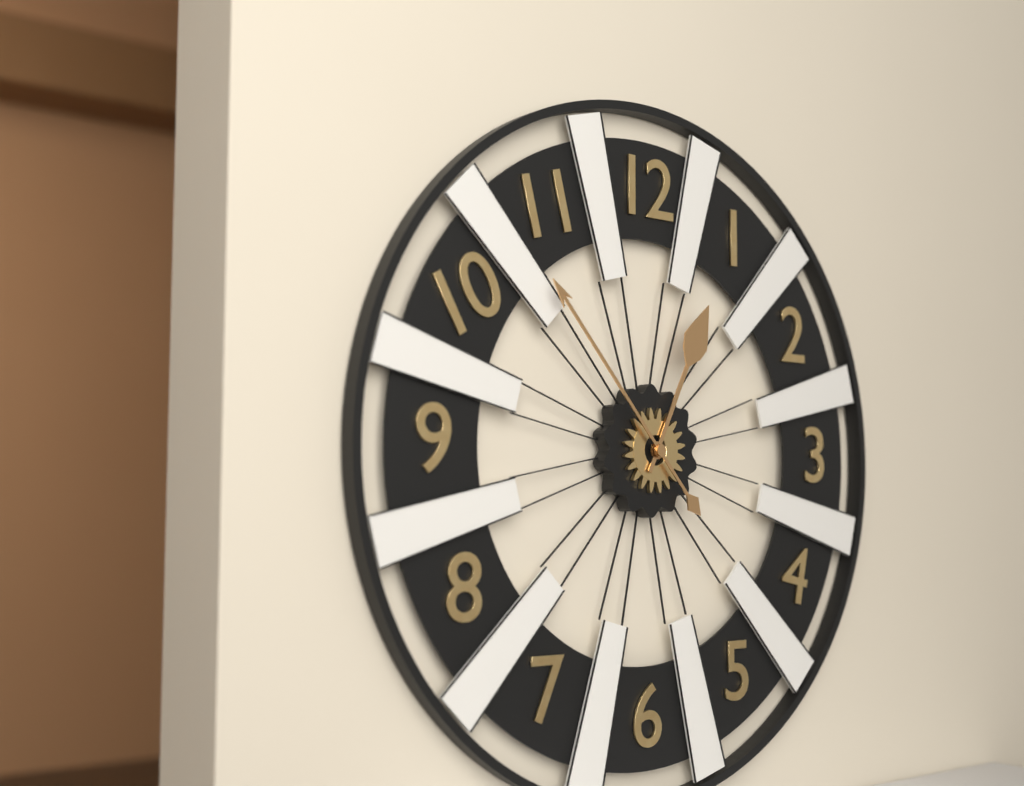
12:53
